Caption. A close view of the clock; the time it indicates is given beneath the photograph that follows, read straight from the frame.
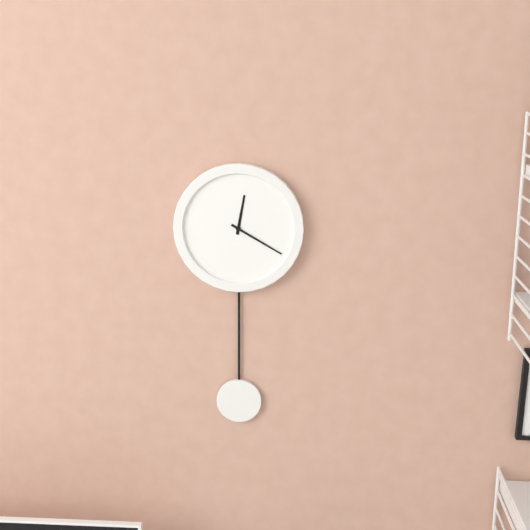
12:20
